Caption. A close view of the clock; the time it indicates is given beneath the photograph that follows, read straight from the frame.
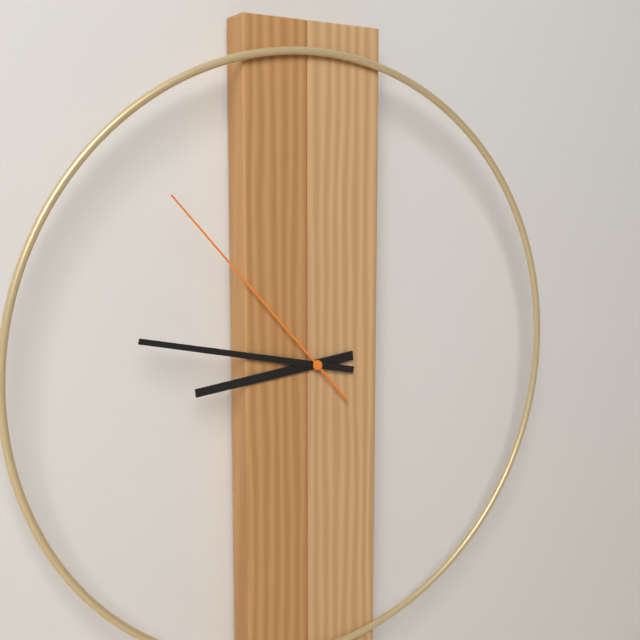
8:47:53
